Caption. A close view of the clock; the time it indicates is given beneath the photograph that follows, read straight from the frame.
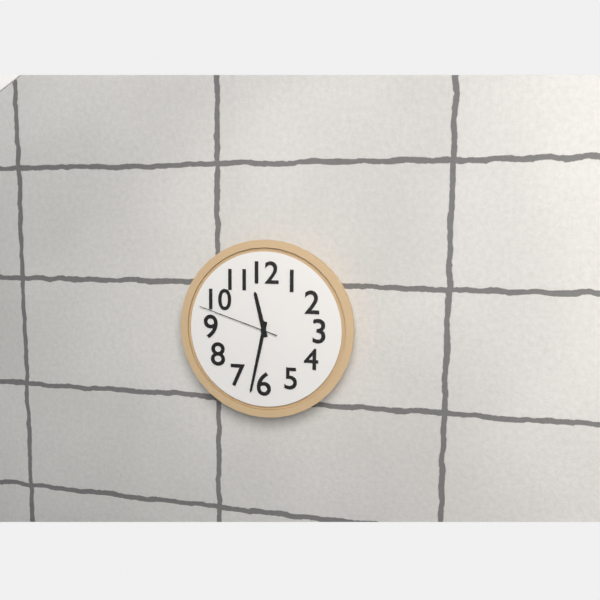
11:32:48
